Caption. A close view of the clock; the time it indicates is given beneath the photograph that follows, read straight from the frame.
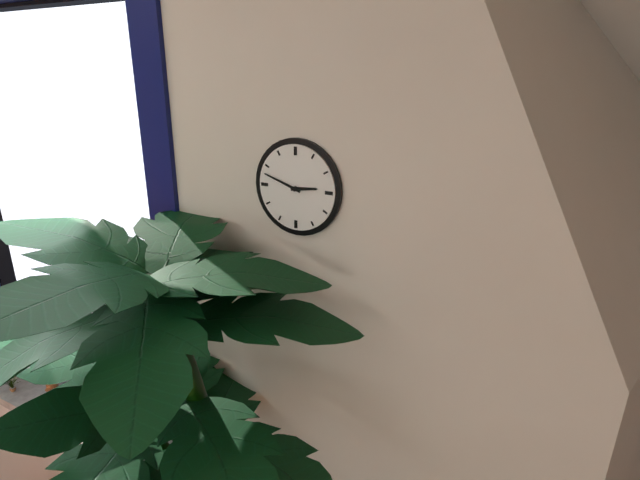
2:48
